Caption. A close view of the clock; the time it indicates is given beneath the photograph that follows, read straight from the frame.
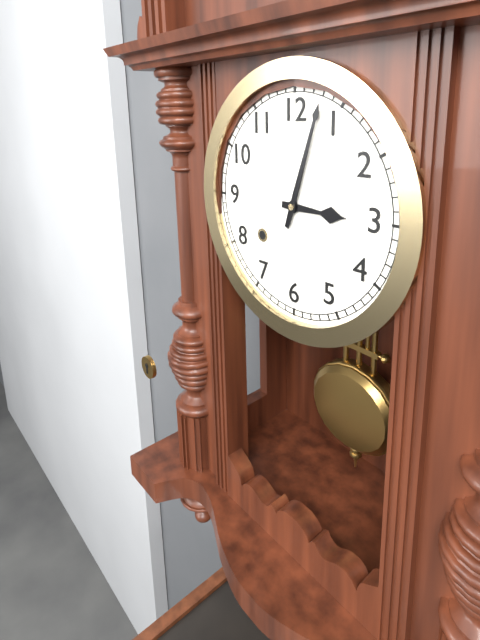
3:03
